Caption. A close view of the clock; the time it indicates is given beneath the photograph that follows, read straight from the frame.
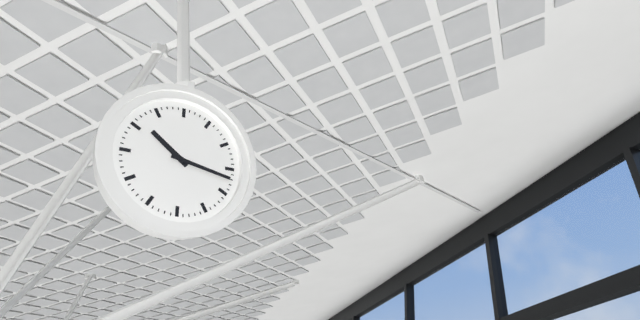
10:17
